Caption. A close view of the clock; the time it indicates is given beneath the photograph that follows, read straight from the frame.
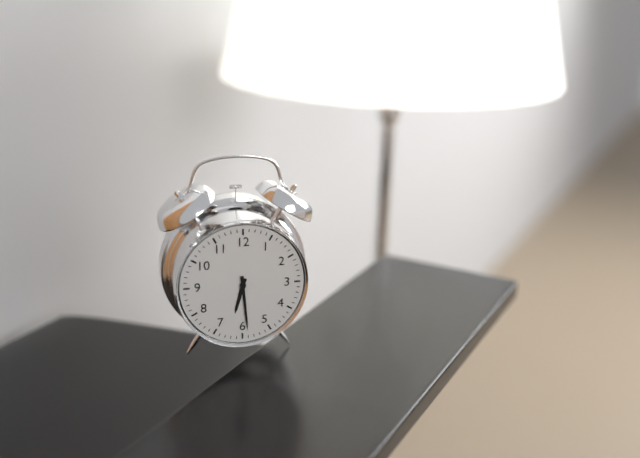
6:29
